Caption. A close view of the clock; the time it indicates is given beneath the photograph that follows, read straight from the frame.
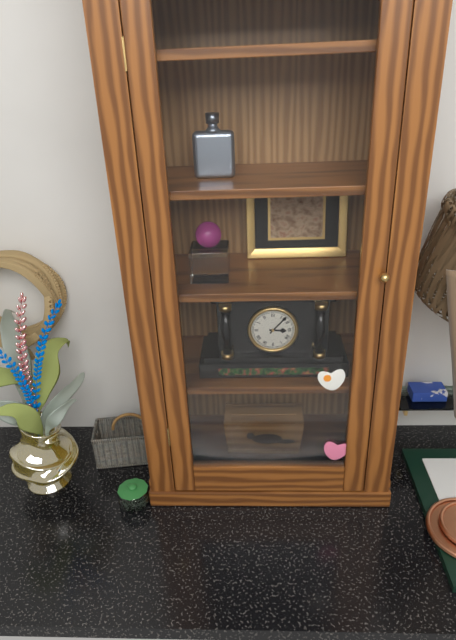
3:07
